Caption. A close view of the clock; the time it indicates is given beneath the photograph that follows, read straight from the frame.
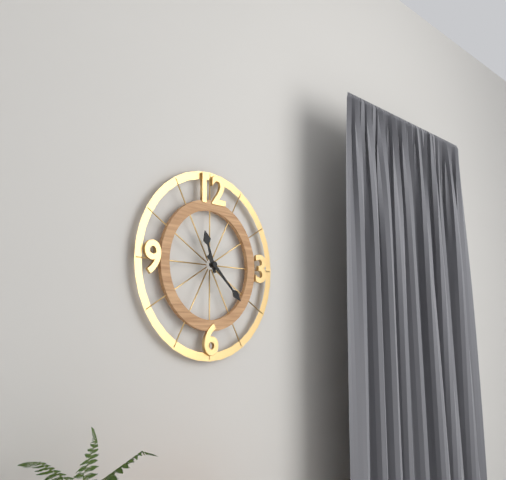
11:22
